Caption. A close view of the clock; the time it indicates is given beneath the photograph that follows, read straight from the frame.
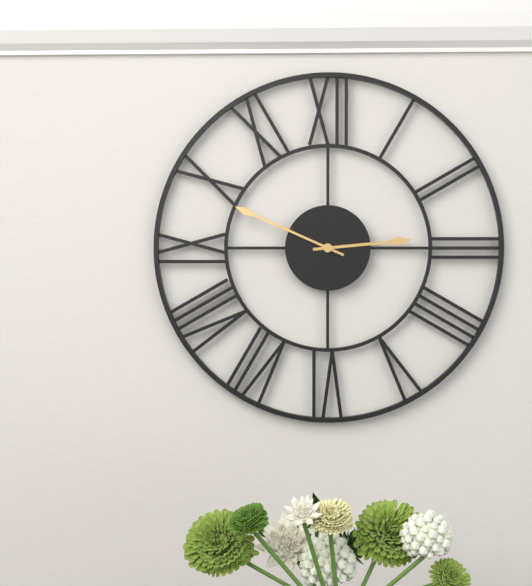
2:49
